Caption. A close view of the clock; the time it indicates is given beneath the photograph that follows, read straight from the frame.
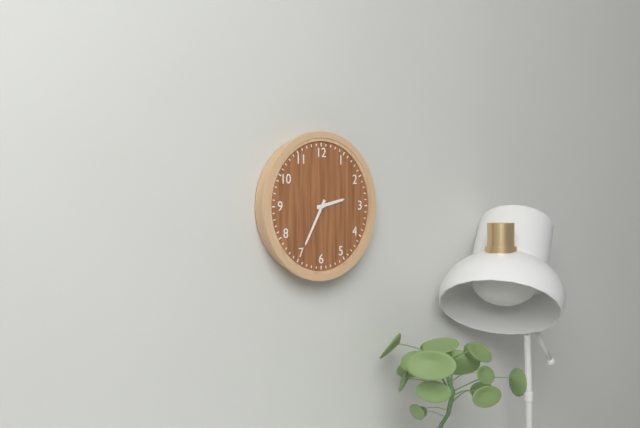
2:35
